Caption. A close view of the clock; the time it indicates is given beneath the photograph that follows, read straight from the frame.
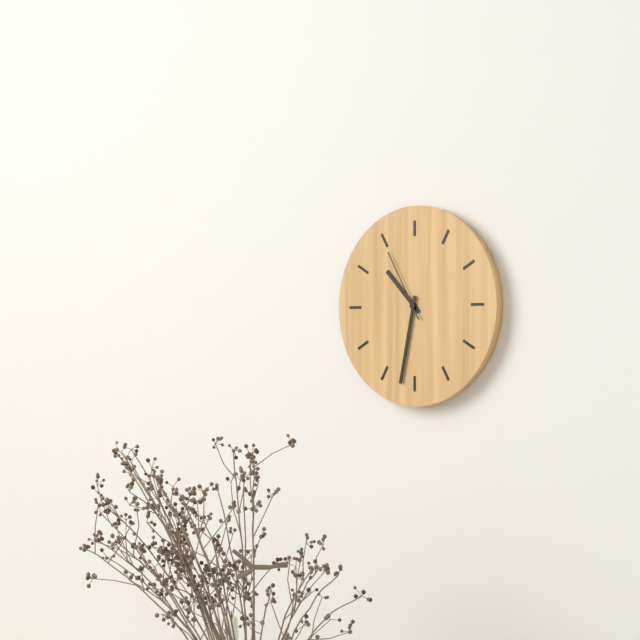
10:32:55
